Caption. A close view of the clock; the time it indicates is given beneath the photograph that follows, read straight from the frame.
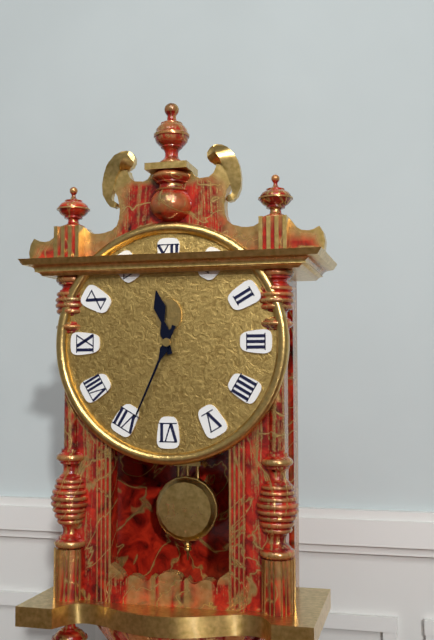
11:34
